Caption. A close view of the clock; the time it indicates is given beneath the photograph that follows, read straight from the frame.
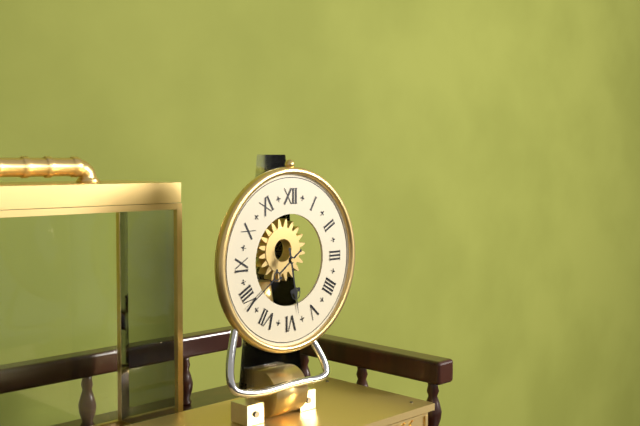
5:39
